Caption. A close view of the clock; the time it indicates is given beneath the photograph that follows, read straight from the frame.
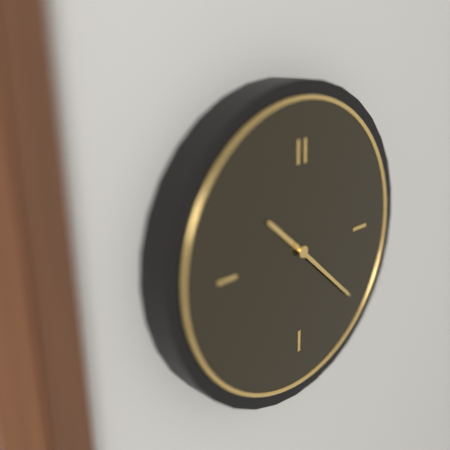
10:22
